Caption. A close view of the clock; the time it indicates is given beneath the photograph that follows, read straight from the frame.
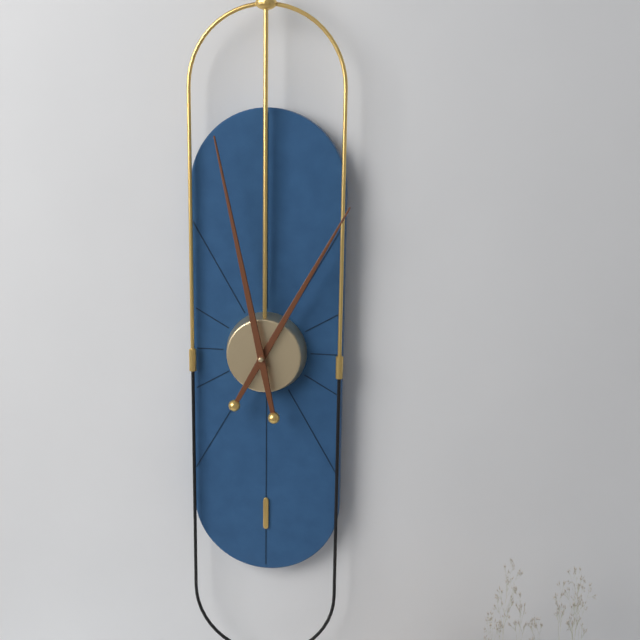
12:58
